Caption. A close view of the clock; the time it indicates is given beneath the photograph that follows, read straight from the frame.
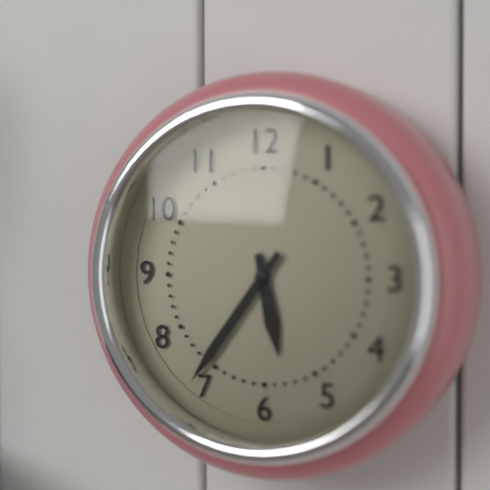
5:36
